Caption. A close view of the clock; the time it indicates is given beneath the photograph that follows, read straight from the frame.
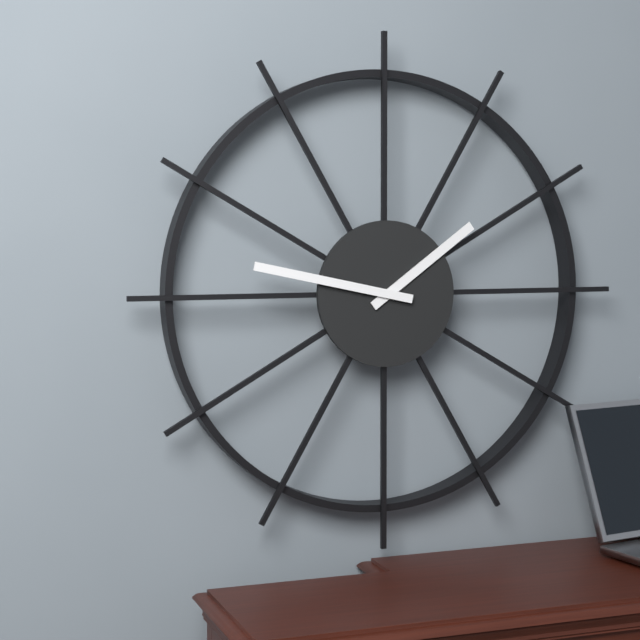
1:47
